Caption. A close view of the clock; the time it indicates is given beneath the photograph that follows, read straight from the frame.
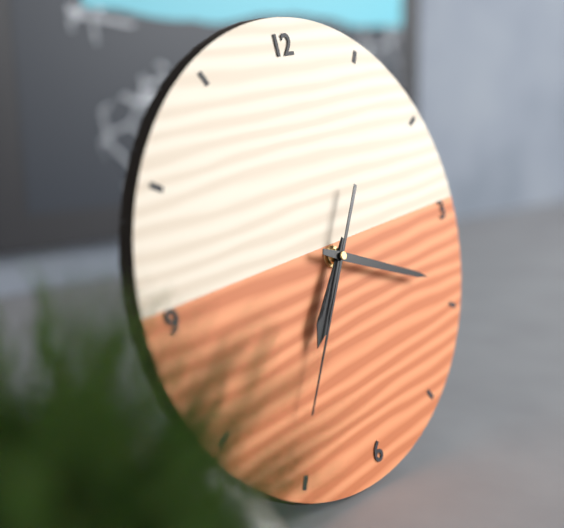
7:19:36
